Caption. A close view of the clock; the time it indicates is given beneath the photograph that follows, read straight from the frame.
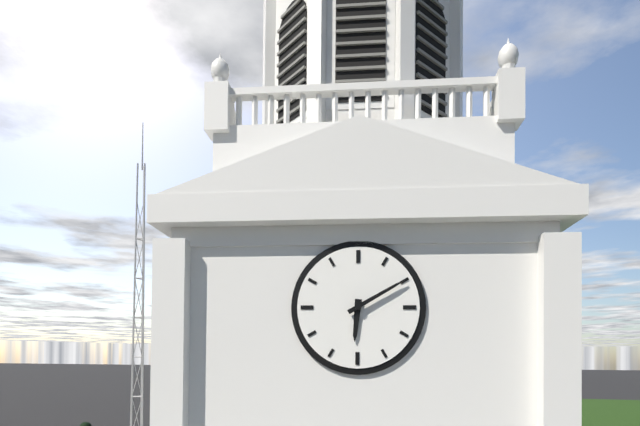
6:10
